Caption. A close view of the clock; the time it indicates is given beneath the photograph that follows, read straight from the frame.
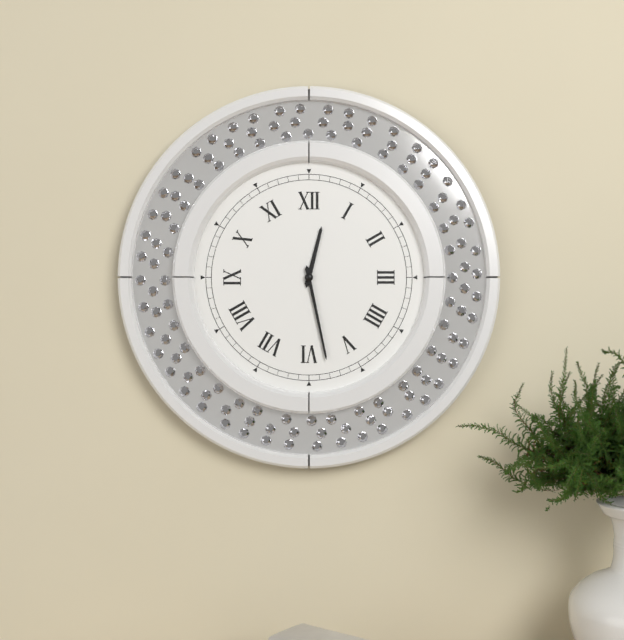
12:28
